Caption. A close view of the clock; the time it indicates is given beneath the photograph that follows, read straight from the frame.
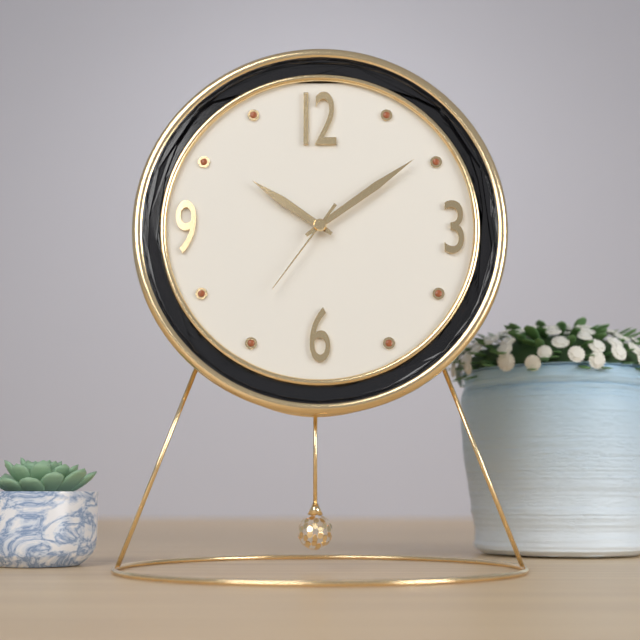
10:09:36
